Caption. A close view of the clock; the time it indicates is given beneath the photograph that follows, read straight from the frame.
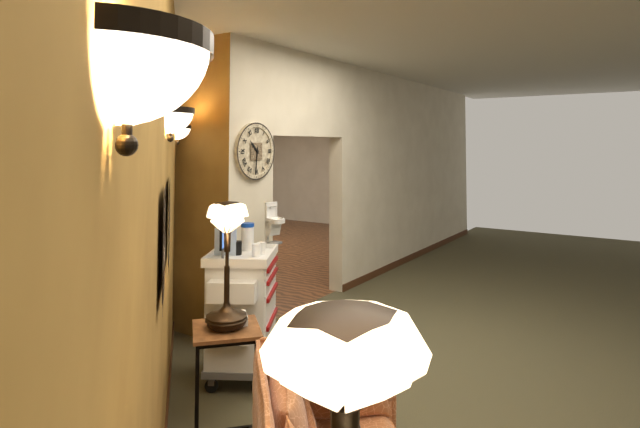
10:31
